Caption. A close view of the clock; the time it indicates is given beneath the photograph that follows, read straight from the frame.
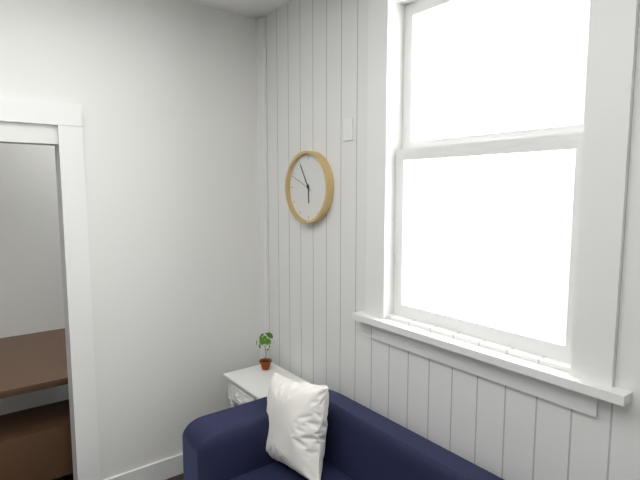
5:55
